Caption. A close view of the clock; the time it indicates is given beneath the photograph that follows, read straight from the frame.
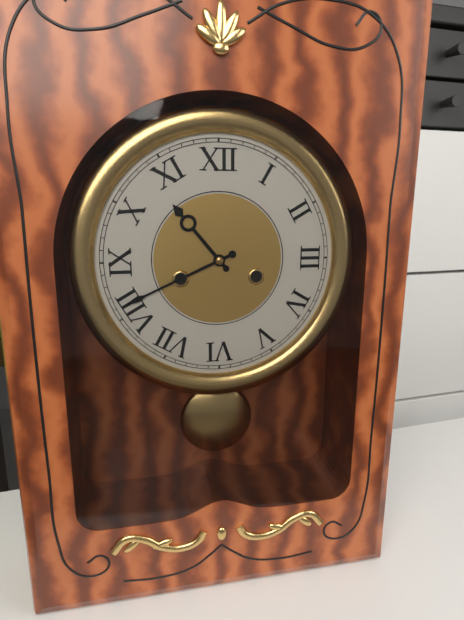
10:41
